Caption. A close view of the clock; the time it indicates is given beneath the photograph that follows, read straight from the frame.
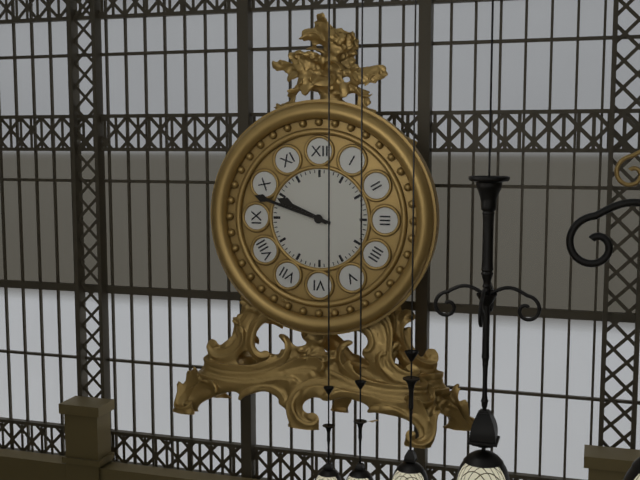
9:48
